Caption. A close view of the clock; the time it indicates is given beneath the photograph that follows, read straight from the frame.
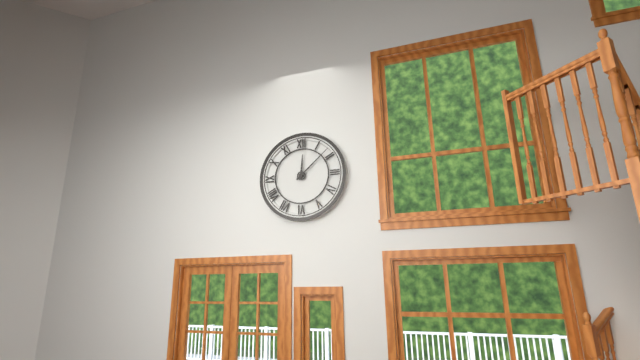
12:08
